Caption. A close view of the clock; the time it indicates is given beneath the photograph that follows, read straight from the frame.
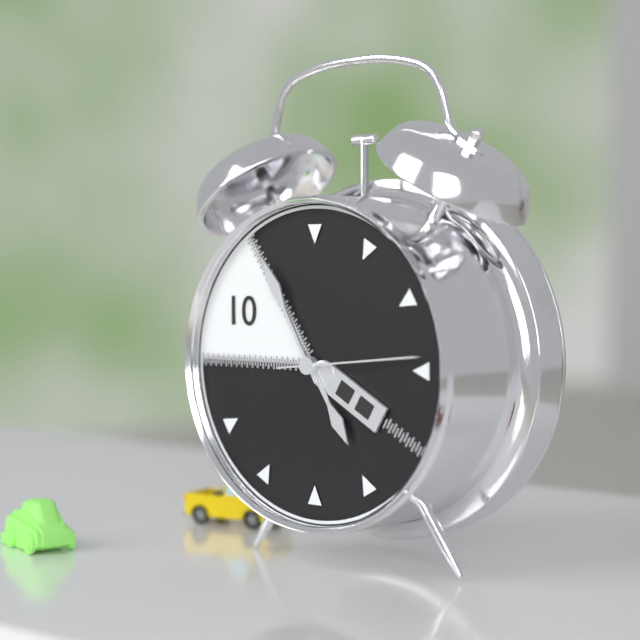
4:55:14
